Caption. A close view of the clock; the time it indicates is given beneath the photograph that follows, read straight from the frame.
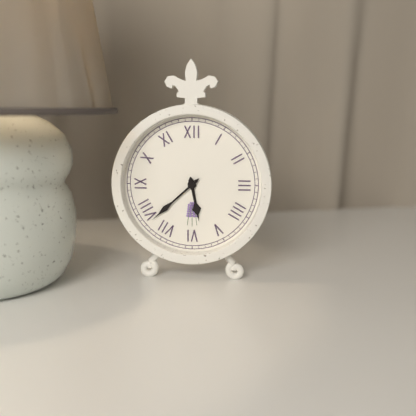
5:38
